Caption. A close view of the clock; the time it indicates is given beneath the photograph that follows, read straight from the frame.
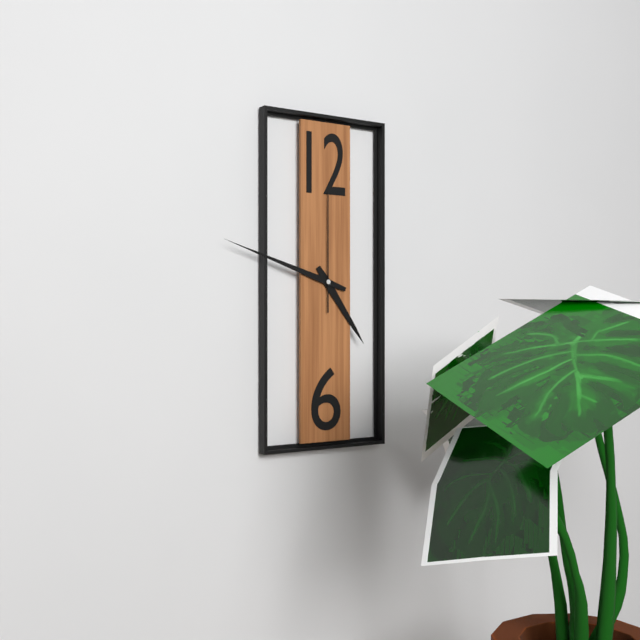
4:48:00
